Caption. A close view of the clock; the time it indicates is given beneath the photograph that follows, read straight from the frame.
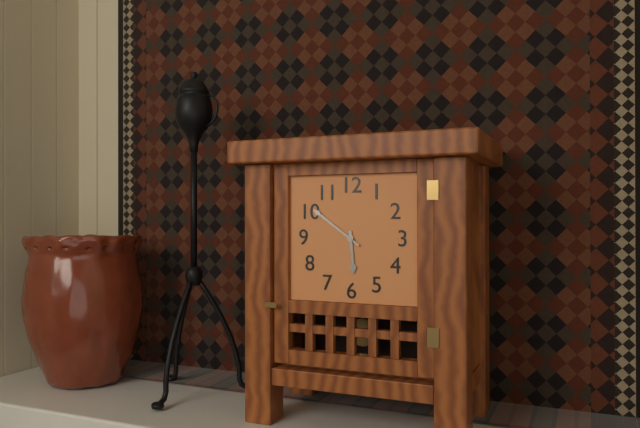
5:51
